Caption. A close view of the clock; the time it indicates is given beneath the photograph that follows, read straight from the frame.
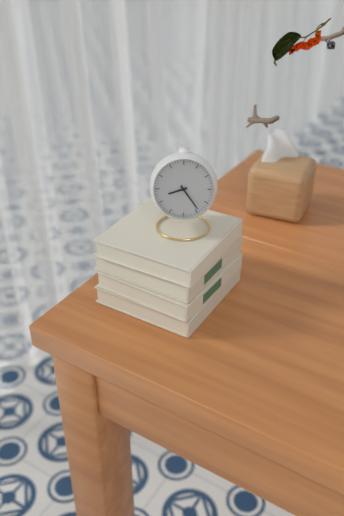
8:24
